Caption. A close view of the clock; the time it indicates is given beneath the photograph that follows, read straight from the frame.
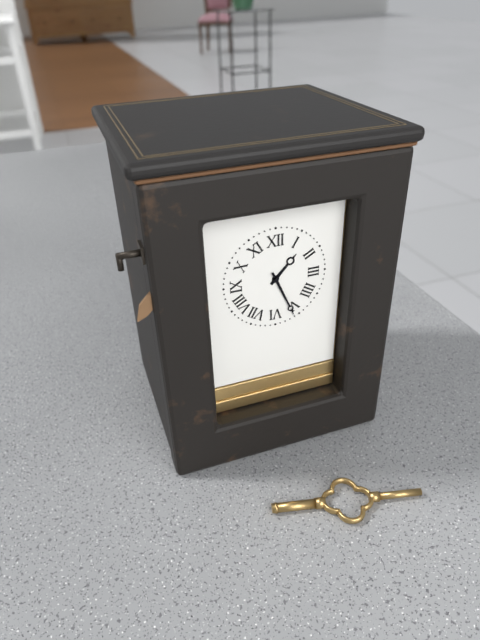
1:26
